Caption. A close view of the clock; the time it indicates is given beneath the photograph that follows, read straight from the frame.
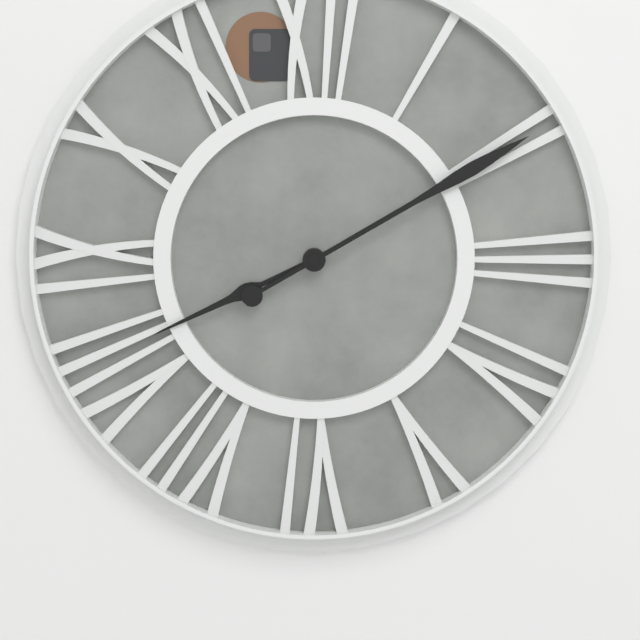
8:10
